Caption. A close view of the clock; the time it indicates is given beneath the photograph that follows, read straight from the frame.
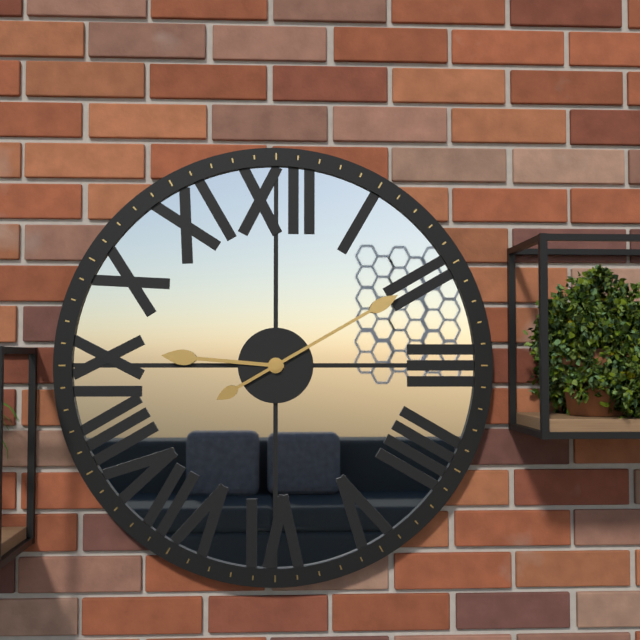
9:10
